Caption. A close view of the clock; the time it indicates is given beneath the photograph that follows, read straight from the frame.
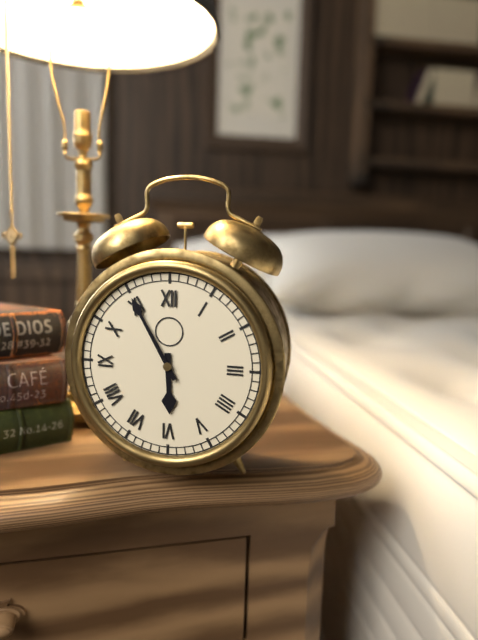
5:55
